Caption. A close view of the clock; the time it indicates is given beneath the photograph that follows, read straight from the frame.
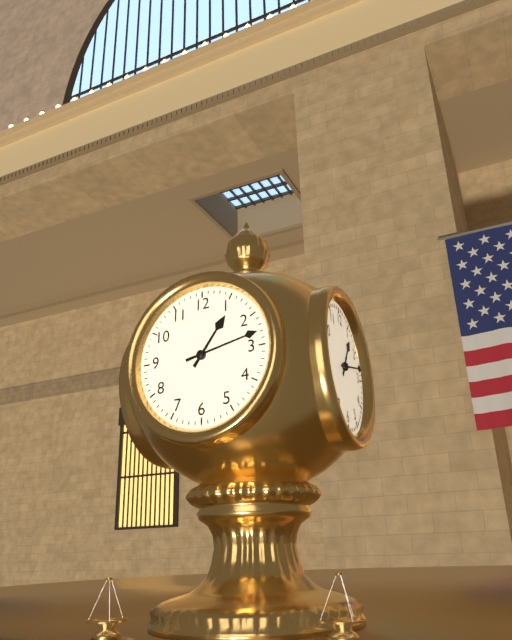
1:13
